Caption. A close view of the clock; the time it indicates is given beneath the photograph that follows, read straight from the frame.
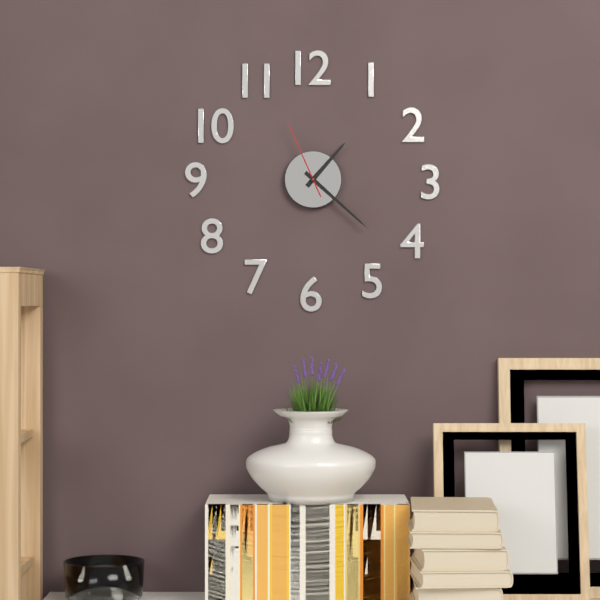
1:22:56
